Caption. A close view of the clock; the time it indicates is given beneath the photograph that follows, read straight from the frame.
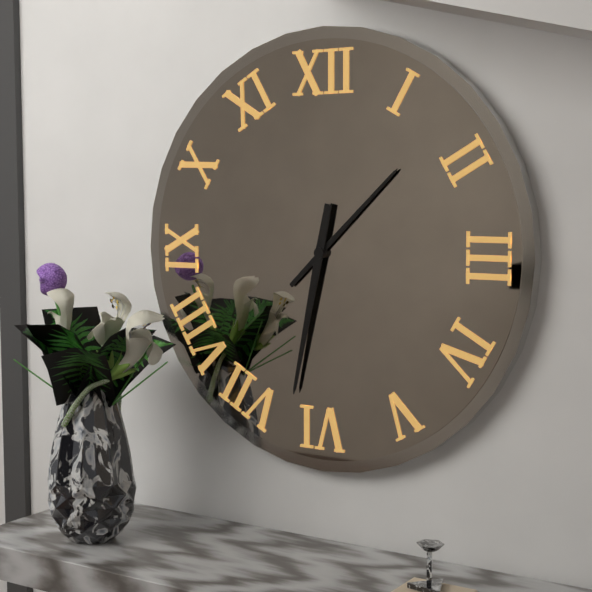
1:32
